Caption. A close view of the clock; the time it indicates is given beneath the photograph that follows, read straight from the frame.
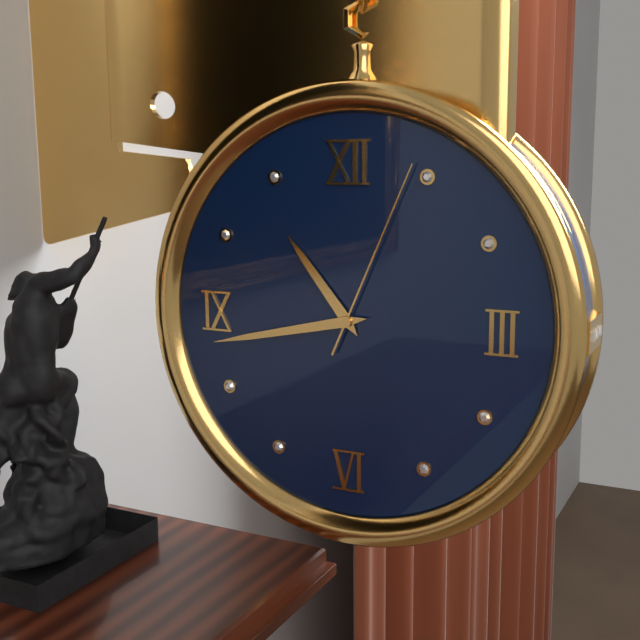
10:43:04
